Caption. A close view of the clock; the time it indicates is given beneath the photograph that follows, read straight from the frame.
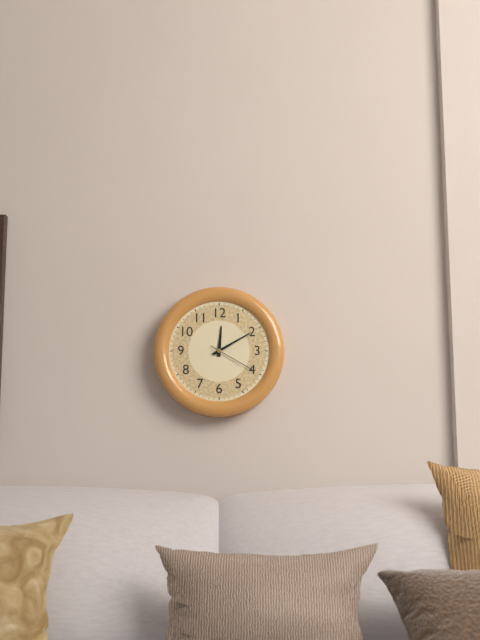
12:10:20
